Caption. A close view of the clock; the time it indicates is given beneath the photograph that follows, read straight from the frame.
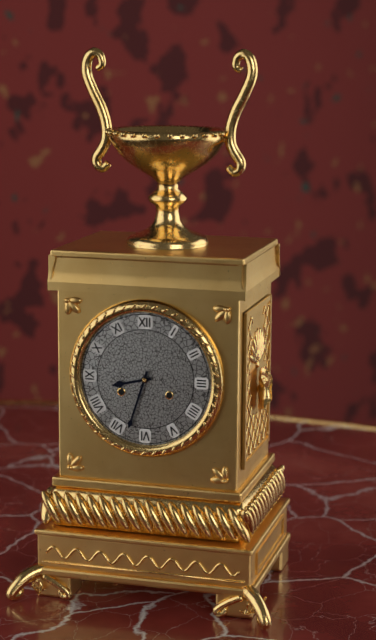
8:33
